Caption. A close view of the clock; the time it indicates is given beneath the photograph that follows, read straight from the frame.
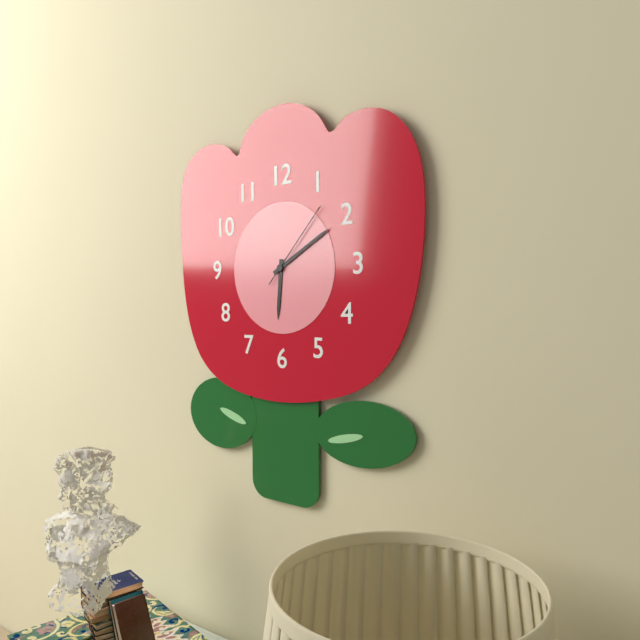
6:10:07
